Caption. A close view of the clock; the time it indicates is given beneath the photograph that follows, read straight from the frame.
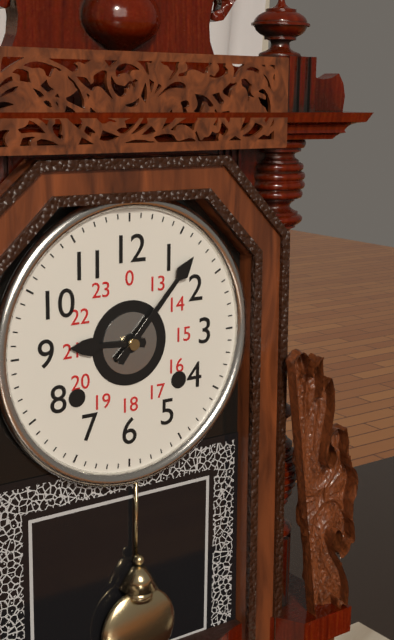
9:07
